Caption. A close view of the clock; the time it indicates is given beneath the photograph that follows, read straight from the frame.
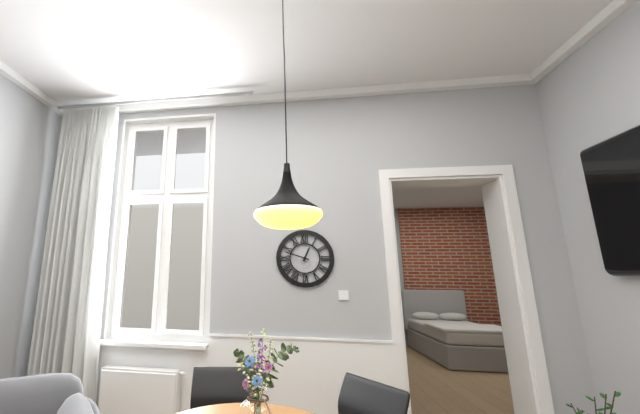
12:48
